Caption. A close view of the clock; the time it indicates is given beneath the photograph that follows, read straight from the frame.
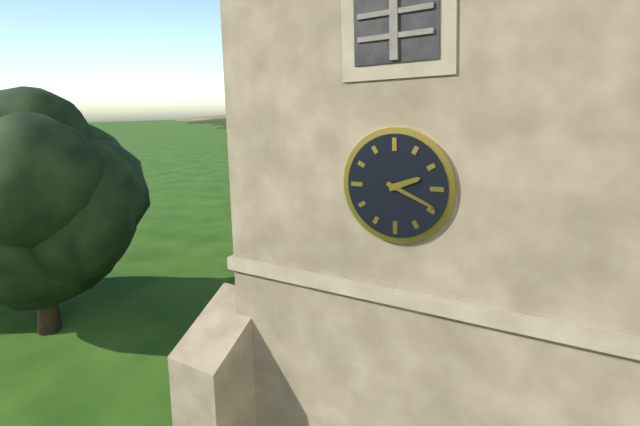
2:19
